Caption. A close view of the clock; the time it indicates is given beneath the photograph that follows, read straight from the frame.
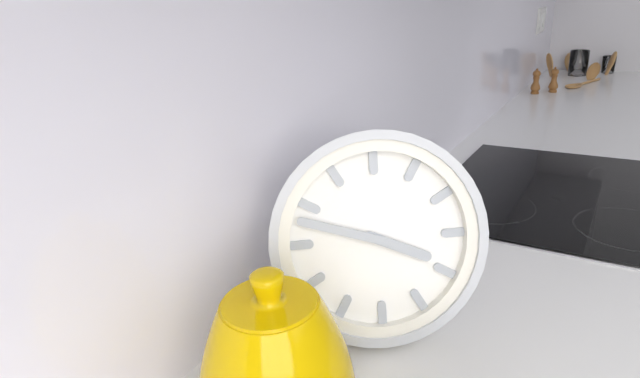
3:48
